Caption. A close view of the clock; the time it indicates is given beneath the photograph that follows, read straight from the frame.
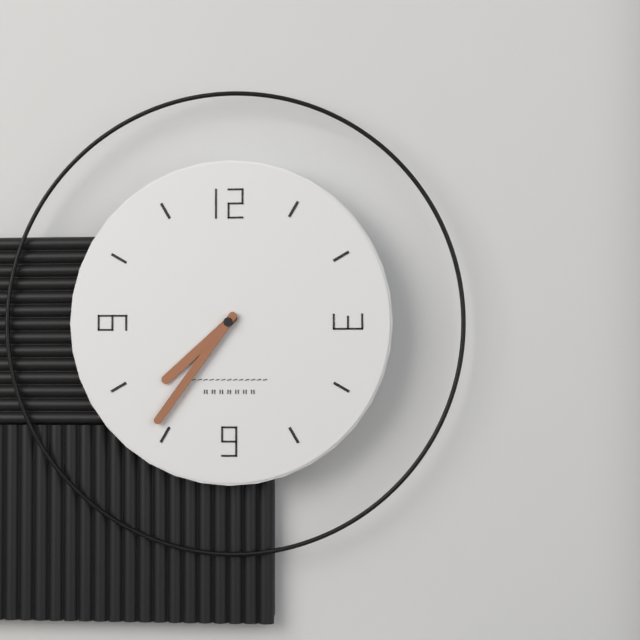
7:36
